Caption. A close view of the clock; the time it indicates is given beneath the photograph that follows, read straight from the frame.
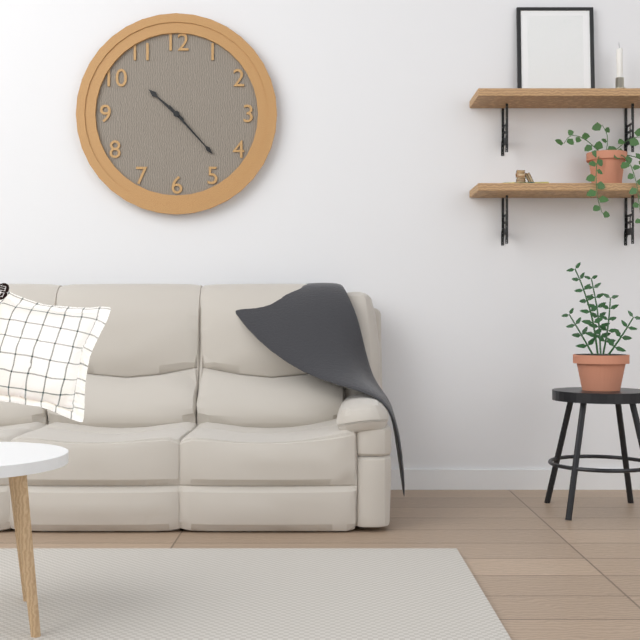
10:23
